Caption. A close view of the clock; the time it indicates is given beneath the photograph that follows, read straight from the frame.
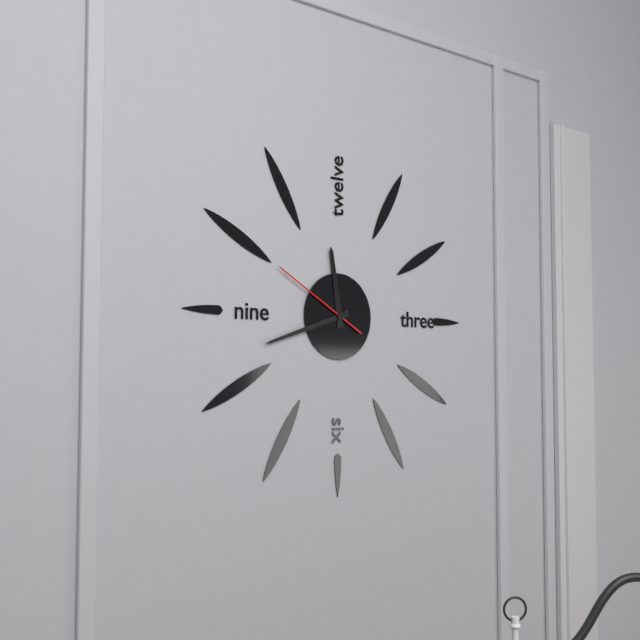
11:42:50
